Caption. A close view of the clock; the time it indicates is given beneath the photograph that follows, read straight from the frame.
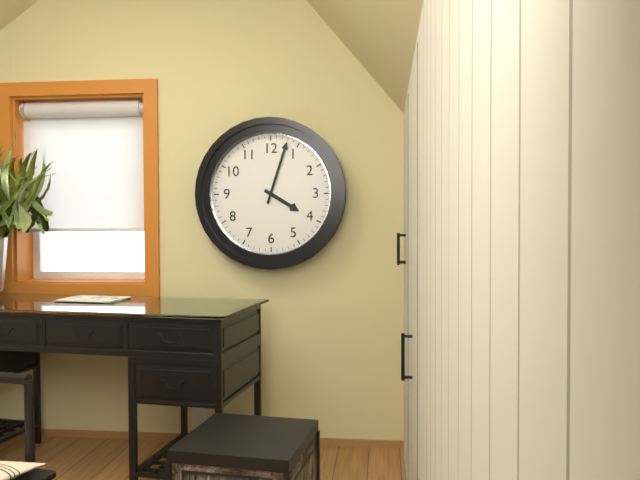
4:03
